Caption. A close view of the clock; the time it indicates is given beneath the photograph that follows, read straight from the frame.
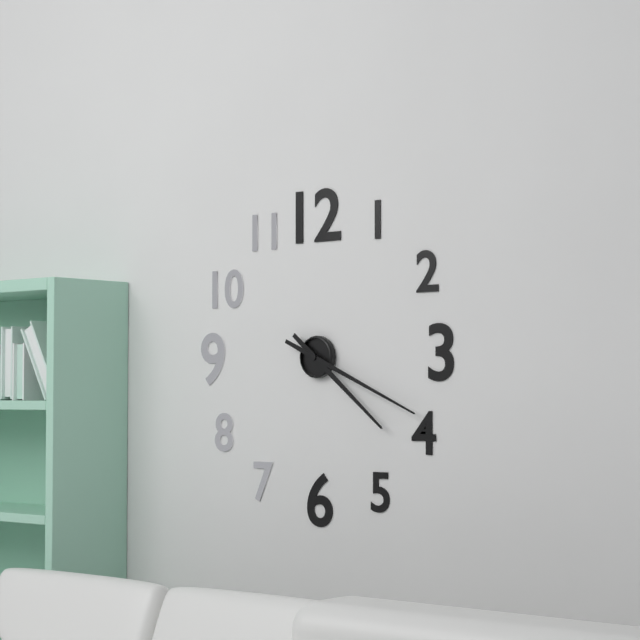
4:19
